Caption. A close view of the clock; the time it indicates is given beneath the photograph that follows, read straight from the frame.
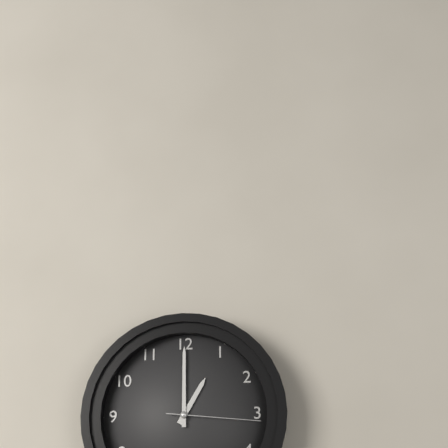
1:00:16
